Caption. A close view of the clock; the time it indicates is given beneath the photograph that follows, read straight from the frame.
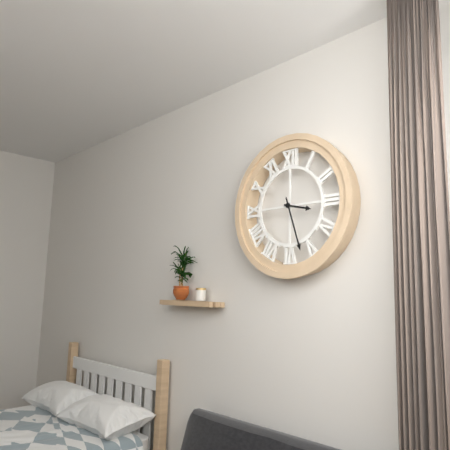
3:27
